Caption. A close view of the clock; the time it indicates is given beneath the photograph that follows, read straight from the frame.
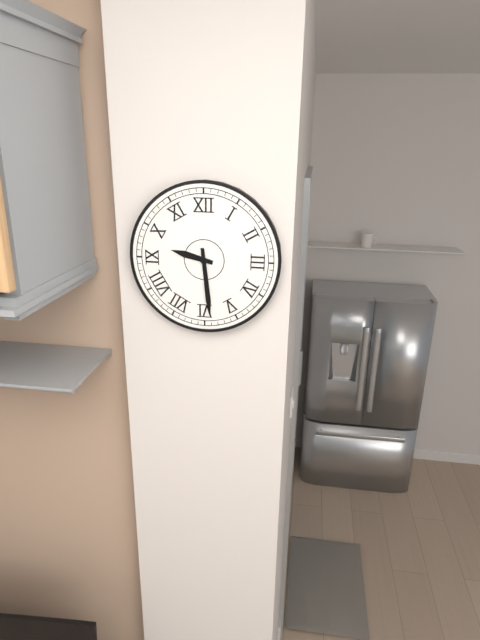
9:29
